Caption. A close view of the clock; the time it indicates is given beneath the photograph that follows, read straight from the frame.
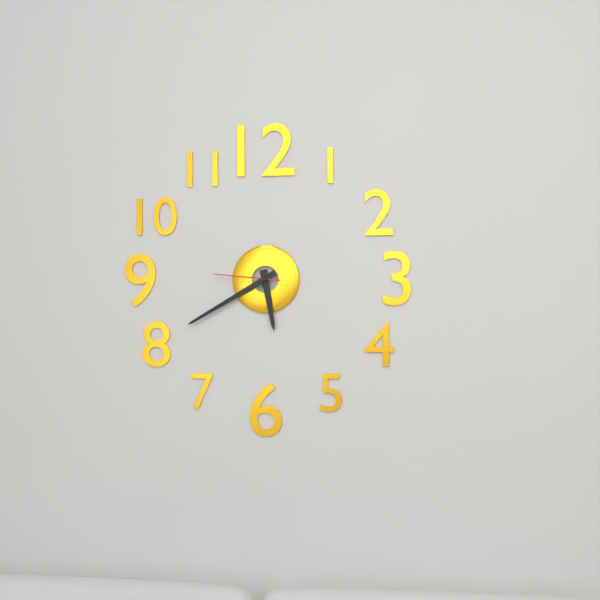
5:40:46
